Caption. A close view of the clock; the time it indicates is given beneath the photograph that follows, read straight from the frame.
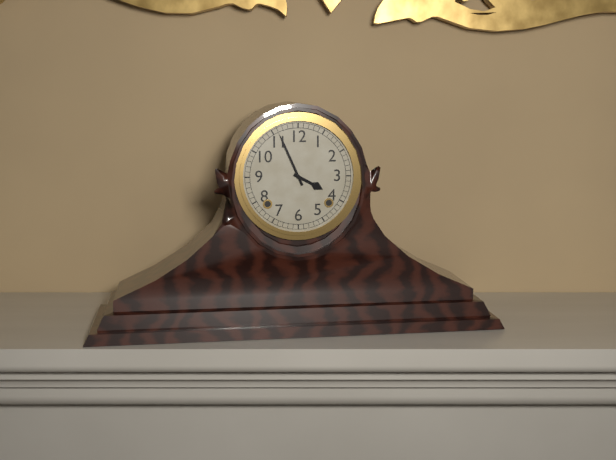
3:56
